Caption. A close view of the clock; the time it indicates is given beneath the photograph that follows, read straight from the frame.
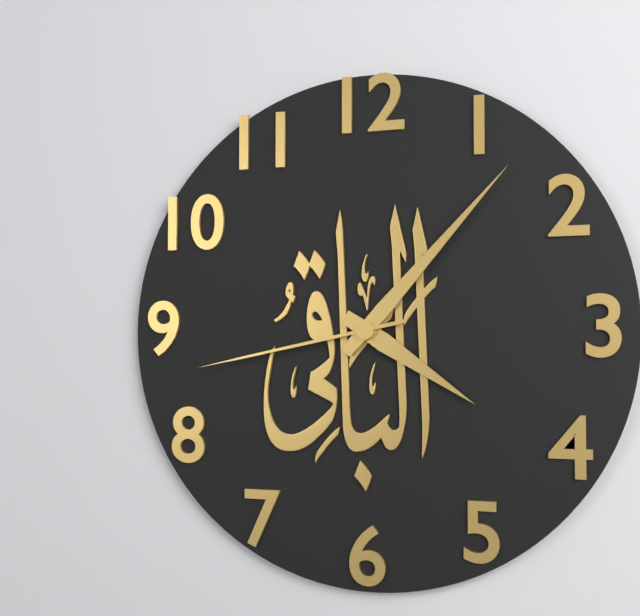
4:07:43
